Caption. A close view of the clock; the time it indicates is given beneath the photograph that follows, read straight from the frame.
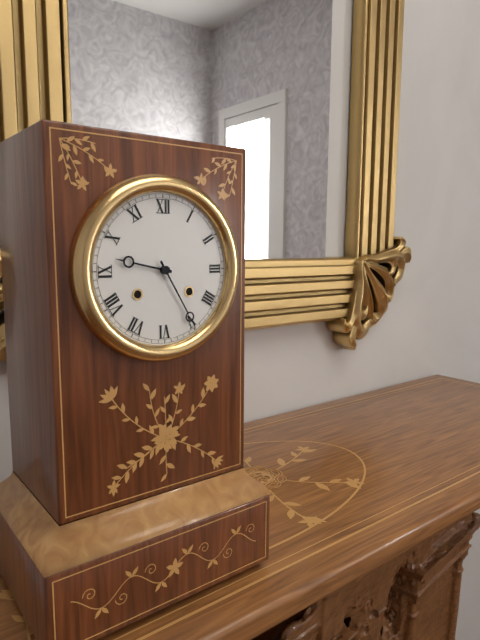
9:25
